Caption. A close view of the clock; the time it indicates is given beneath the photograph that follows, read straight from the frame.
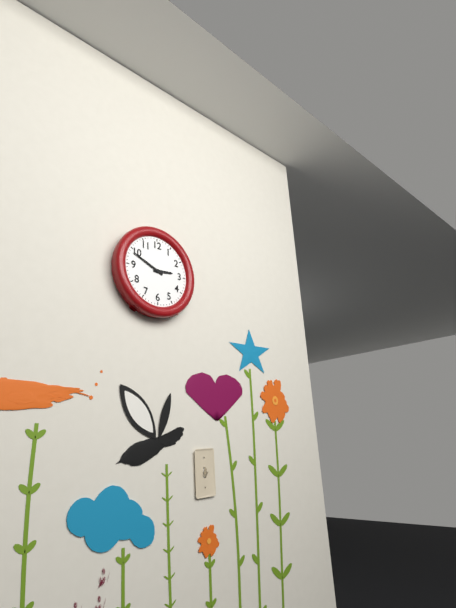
2:49
